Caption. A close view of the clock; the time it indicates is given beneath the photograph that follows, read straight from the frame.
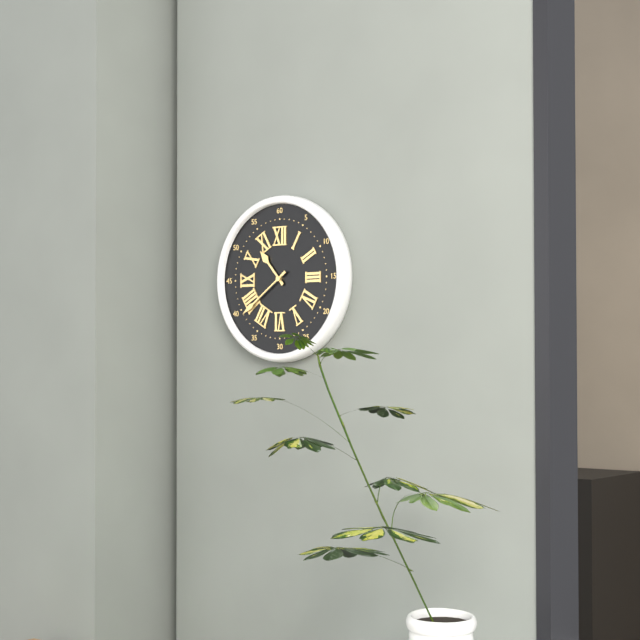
10:39
